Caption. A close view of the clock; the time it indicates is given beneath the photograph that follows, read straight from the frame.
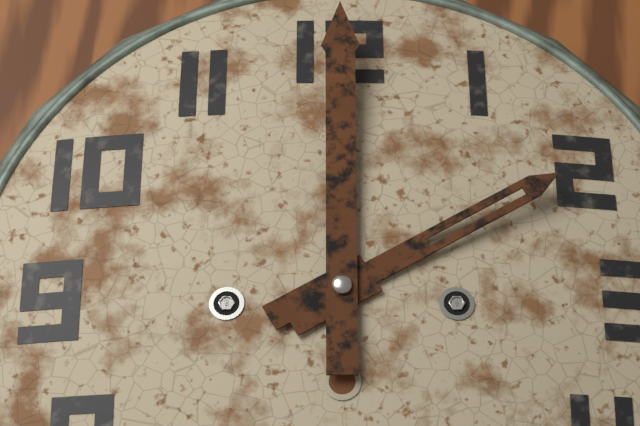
2:00
